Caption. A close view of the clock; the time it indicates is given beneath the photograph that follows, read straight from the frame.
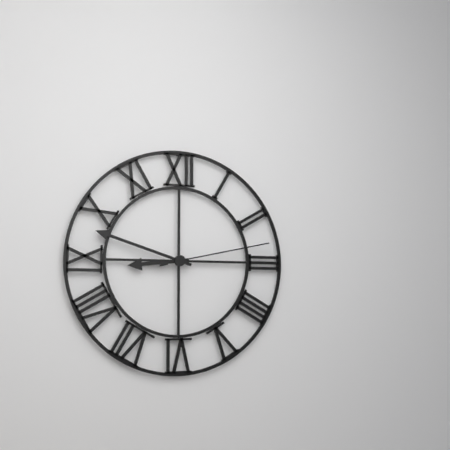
8:48:13
